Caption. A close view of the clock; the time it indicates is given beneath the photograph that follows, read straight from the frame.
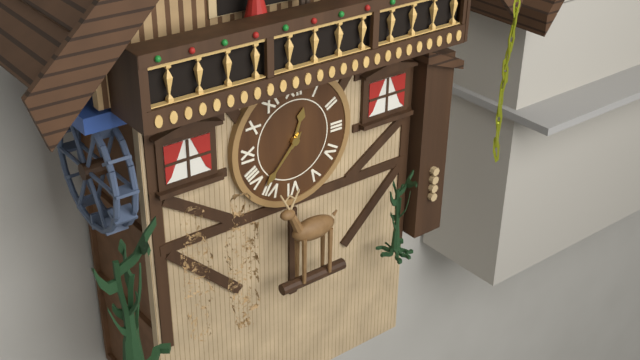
12:37
